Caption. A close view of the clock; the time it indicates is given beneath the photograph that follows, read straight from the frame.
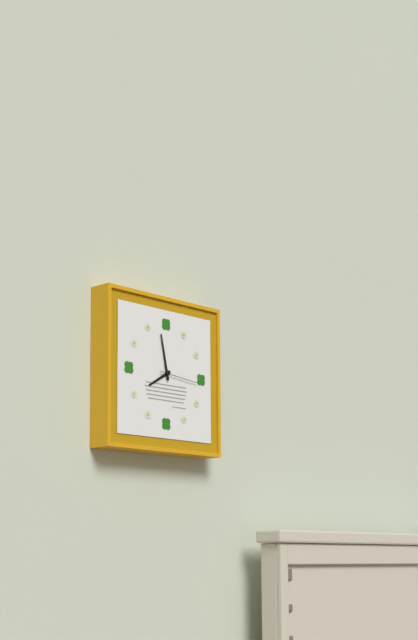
7:58
